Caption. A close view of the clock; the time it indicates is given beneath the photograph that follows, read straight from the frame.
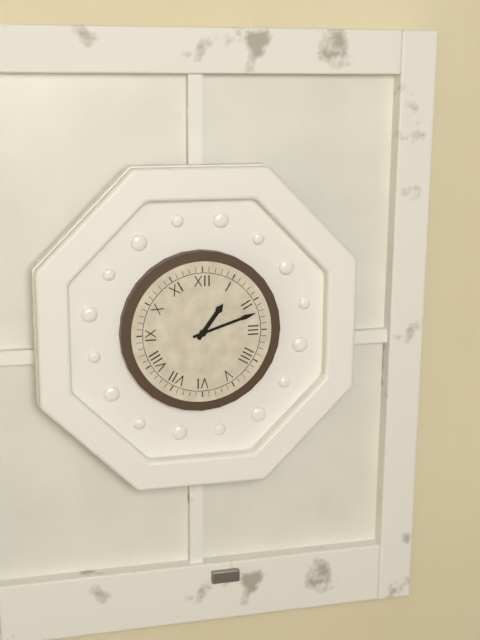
1:12
